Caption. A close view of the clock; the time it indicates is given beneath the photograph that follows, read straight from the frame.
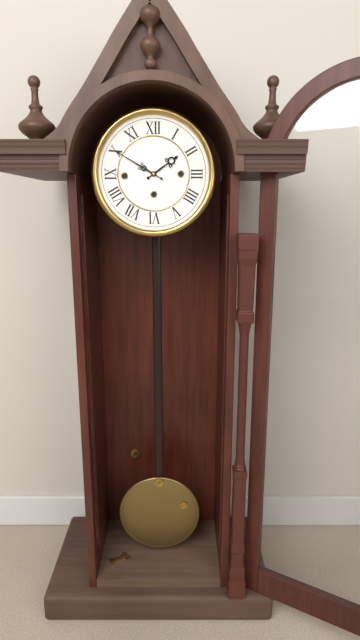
1:50
